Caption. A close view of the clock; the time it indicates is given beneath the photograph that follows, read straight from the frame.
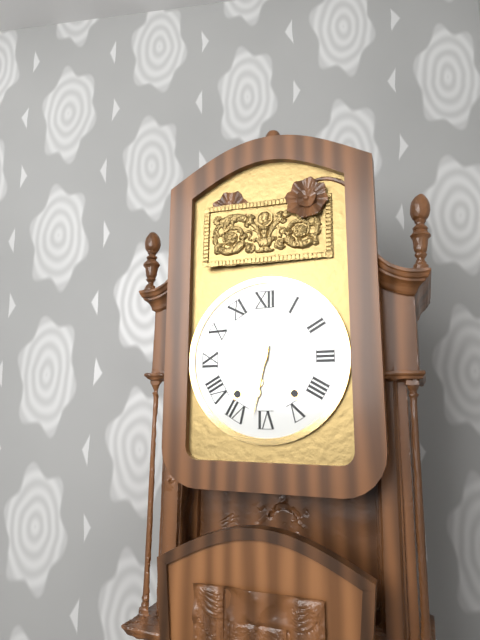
6:32
